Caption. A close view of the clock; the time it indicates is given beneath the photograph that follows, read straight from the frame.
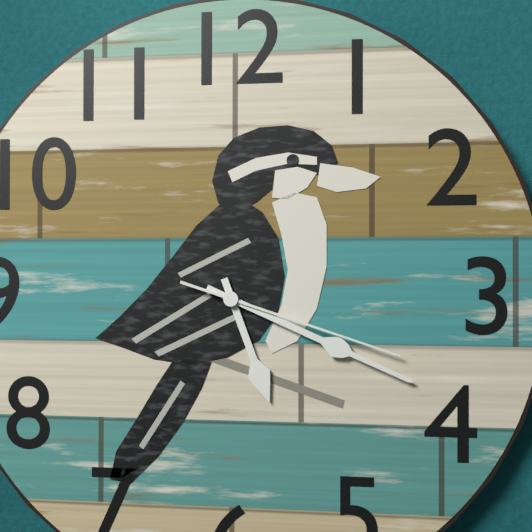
5:19:18
